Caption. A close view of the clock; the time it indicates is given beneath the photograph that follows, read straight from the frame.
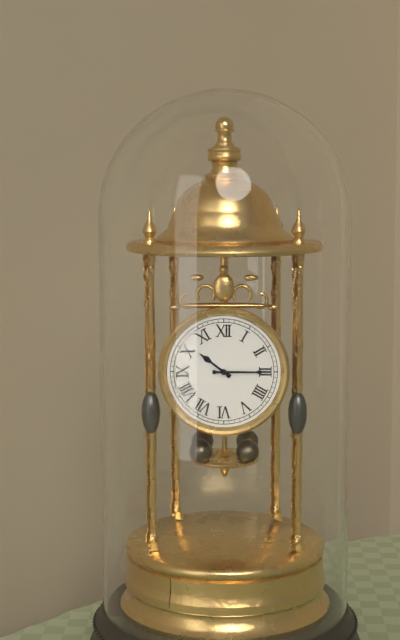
10:15
